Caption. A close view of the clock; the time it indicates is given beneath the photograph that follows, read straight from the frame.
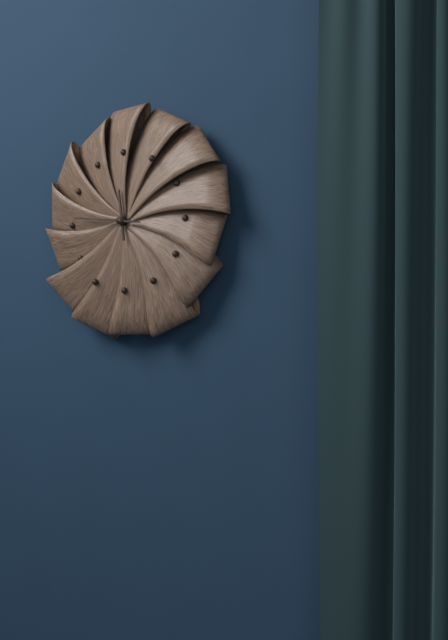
11:46
